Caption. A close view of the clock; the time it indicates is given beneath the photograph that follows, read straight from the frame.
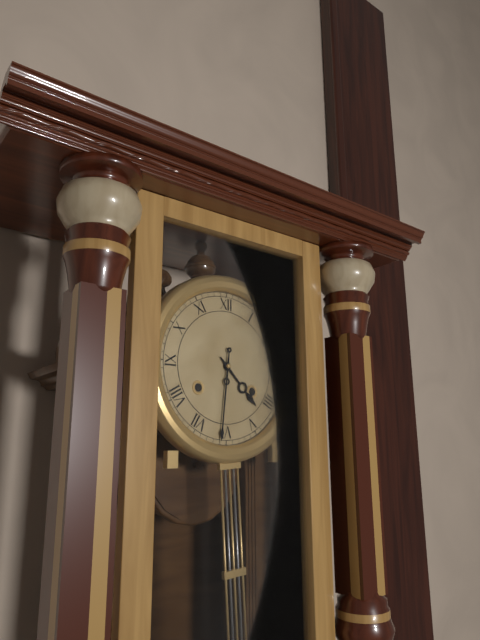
4:31
